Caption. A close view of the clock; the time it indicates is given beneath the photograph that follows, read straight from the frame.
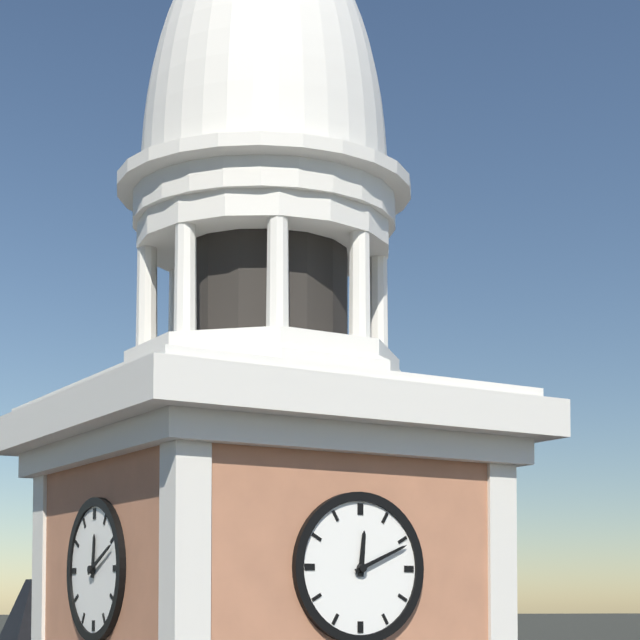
12:11
